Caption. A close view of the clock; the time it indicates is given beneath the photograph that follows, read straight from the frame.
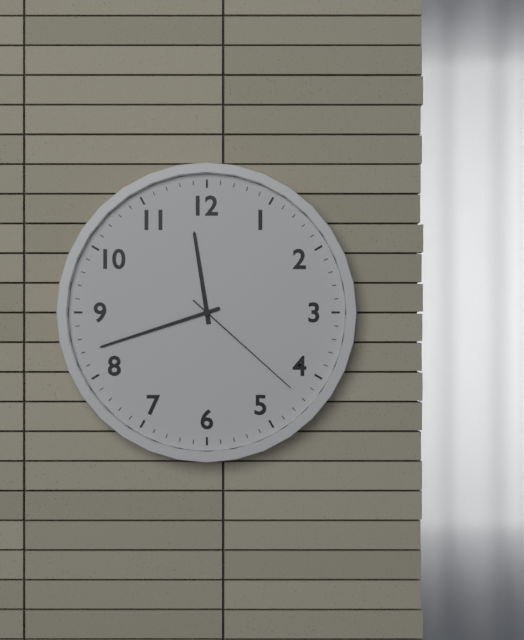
11:42:22
